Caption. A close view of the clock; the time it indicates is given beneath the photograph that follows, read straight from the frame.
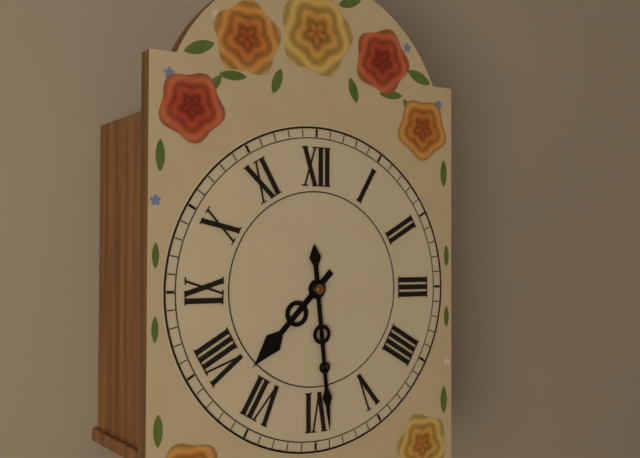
7:29
